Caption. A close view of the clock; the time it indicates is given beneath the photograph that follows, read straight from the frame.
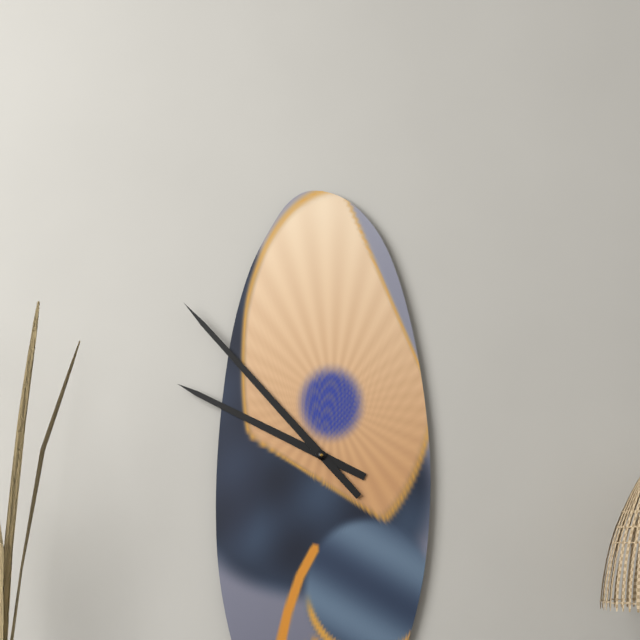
9:53
